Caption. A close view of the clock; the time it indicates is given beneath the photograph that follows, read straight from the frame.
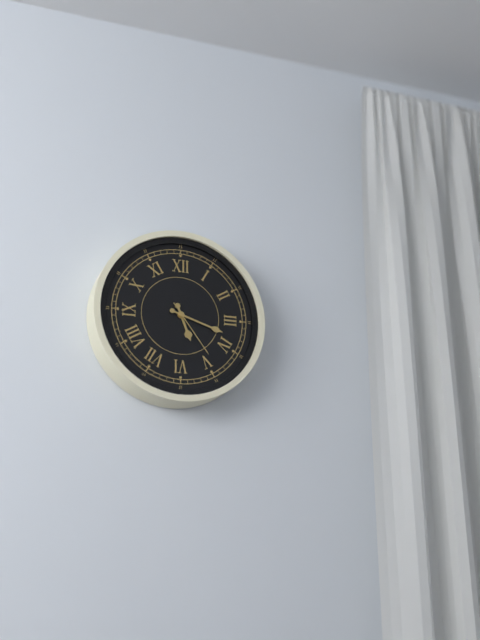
5:18:24
